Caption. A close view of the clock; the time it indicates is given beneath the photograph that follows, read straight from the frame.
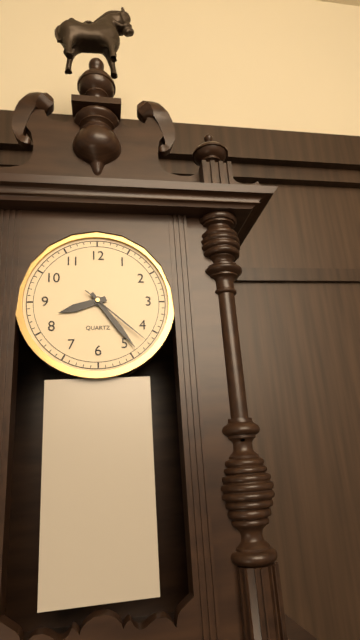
8:24:22
